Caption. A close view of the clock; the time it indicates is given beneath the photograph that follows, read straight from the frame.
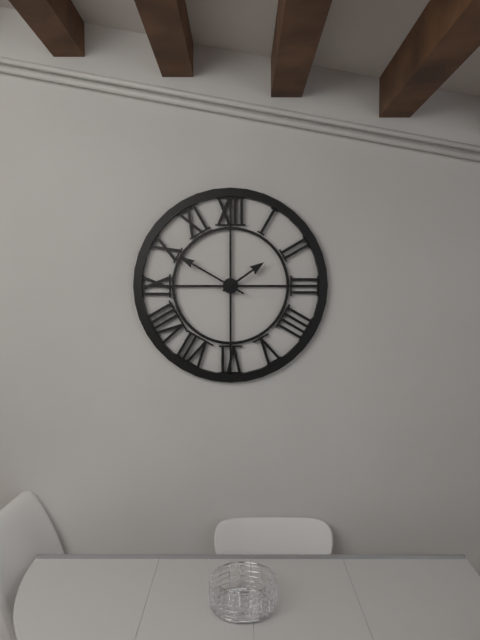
1:50
